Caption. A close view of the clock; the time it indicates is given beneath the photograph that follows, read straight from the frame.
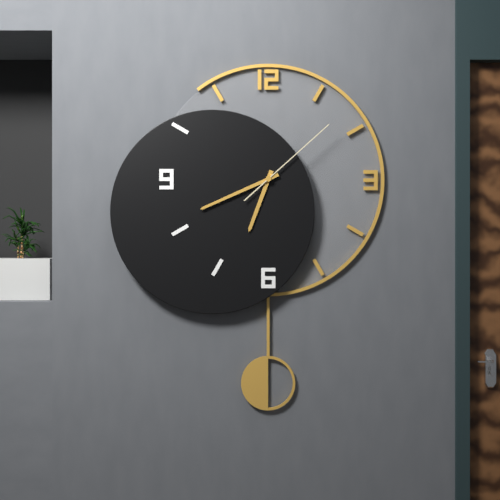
6:41:08
